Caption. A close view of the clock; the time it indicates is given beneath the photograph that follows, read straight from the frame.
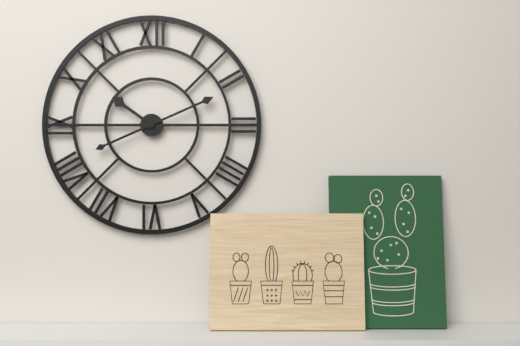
10:11
